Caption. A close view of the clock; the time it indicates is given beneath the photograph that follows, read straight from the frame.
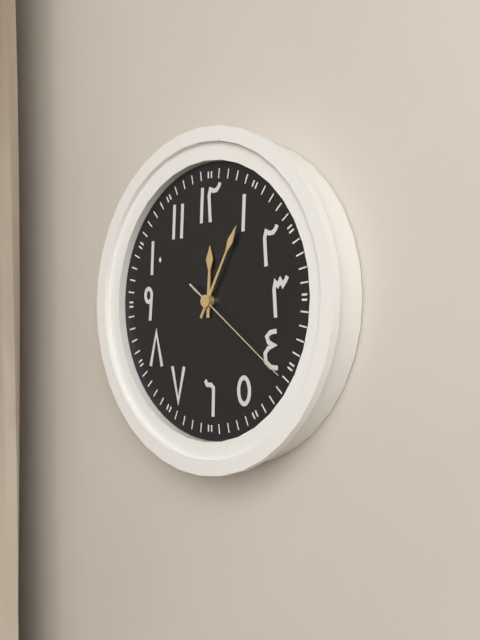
12:05:21
